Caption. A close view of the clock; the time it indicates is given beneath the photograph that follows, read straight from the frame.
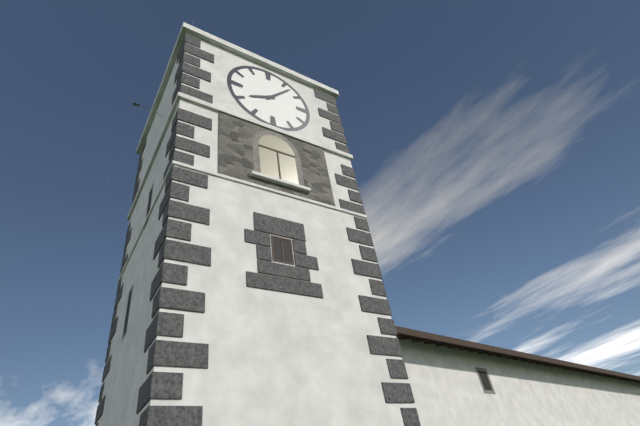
8:07
